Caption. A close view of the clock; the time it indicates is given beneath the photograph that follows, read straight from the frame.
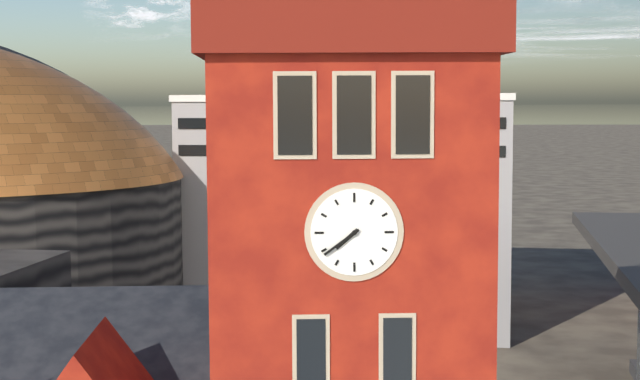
7:39
